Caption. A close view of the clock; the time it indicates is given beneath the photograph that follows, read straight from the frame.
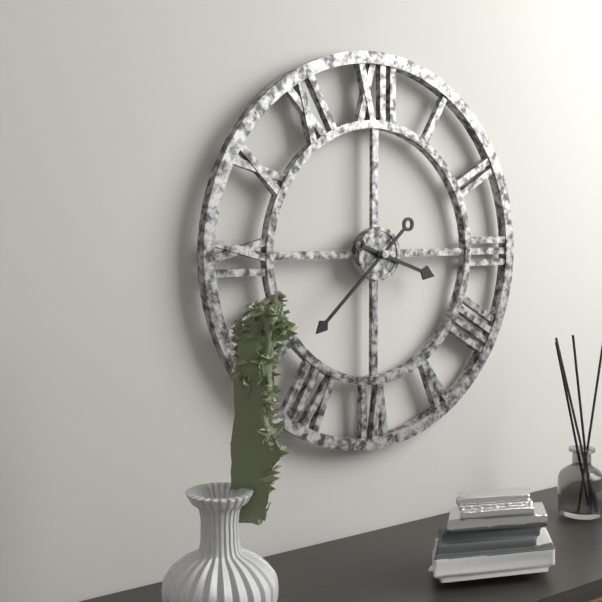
3:38
